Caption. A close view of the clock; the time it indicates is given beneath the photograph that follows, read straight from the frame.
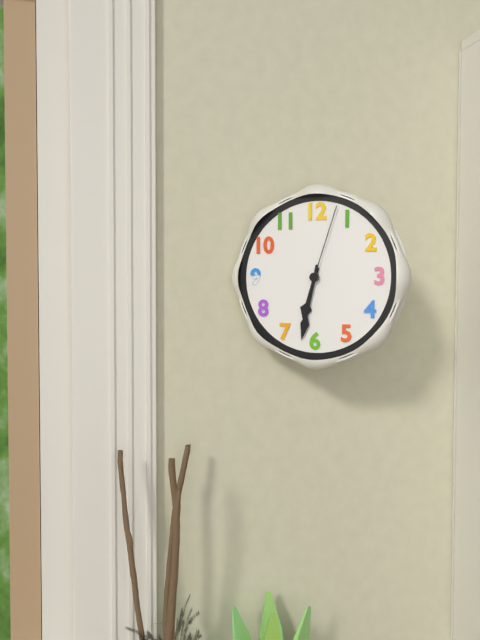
6:32:03
